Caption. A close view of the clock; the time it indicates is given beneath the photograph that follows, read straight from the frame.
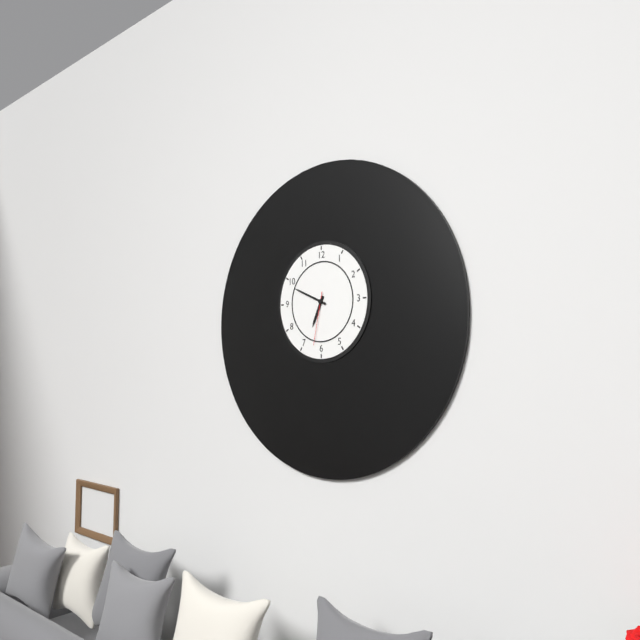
6:49:32
